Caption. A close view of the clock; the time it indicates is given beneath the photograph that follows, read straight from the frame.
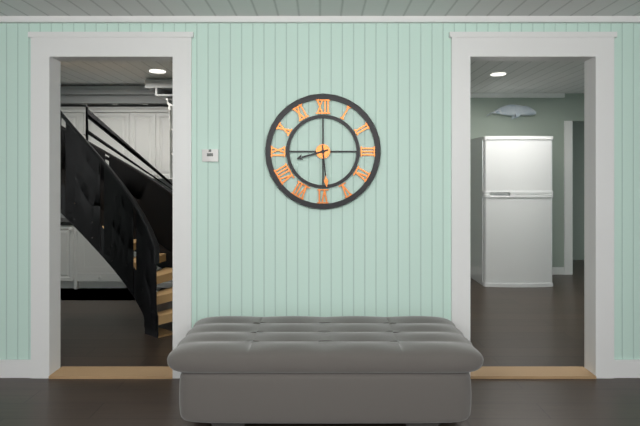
8:29
